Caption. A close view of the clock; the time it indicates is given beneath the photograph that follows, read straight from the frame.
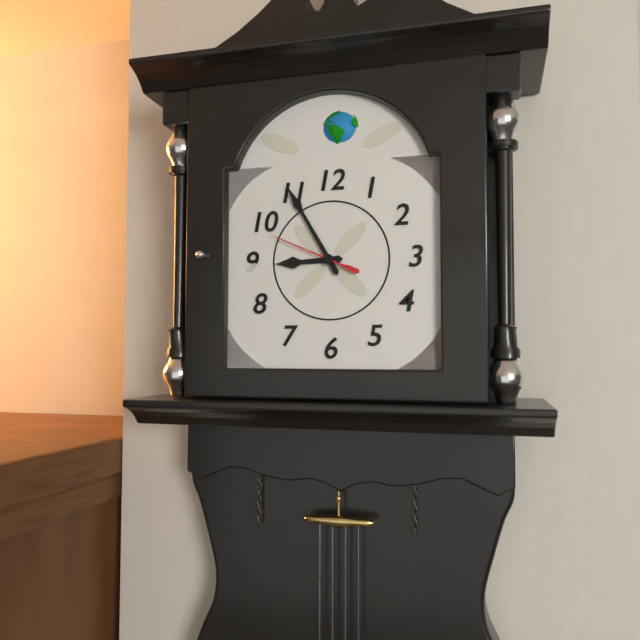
8:55:49
